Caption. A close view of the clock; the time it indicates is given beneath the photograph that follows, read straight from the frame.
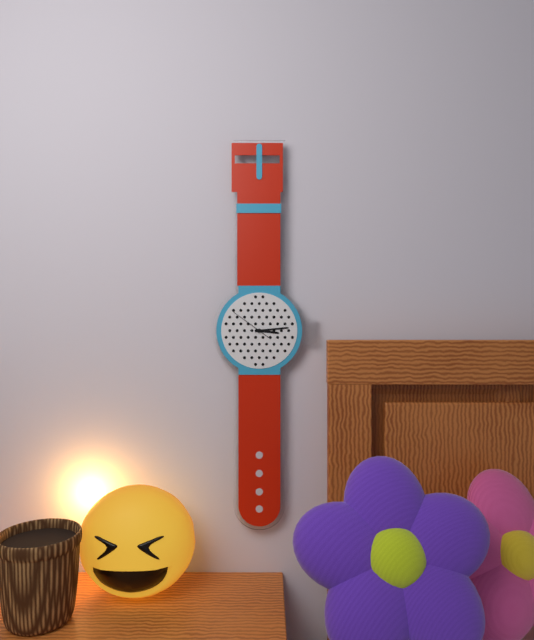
3:14
